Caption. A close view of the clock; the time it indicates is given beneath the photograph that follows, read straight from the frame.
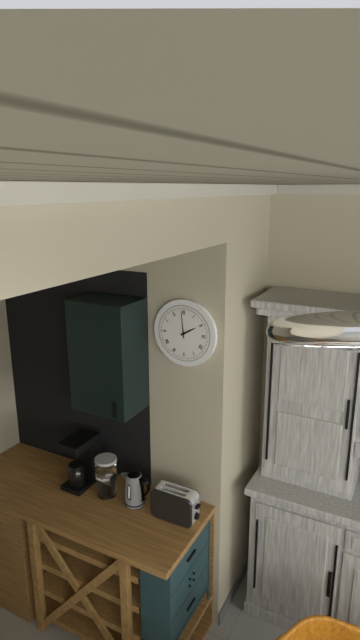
1:59
